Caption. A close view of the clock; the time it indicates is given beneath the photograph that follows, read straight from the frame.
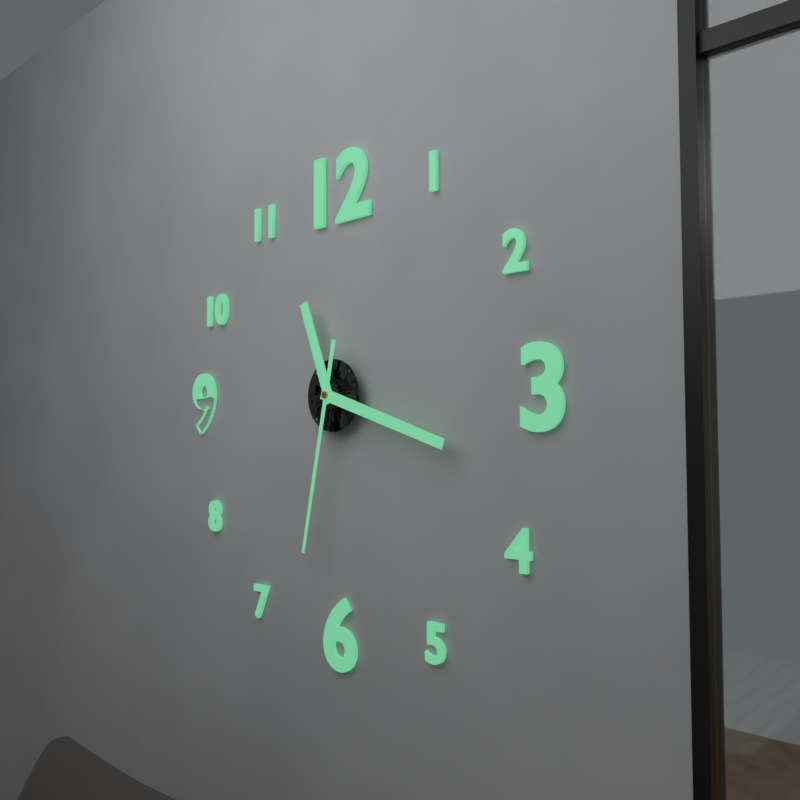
11:18:32
